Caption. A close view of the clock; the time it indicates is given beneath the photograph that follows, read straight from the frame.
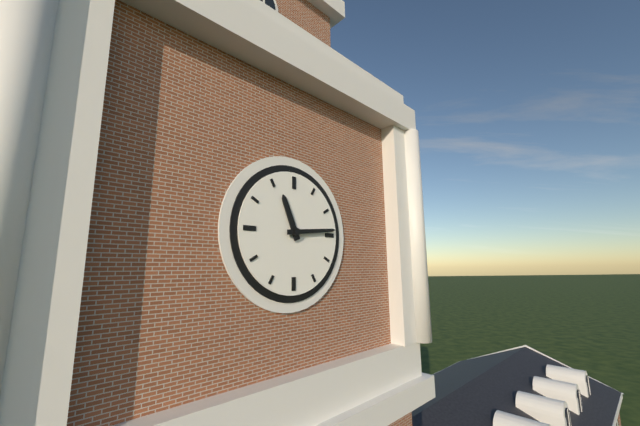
11:14
